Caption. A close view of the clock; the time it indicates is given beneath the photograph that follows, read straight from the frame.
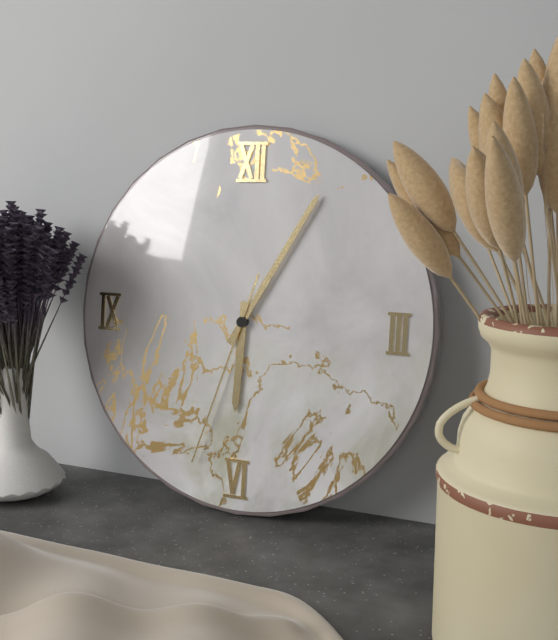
6:05:33
